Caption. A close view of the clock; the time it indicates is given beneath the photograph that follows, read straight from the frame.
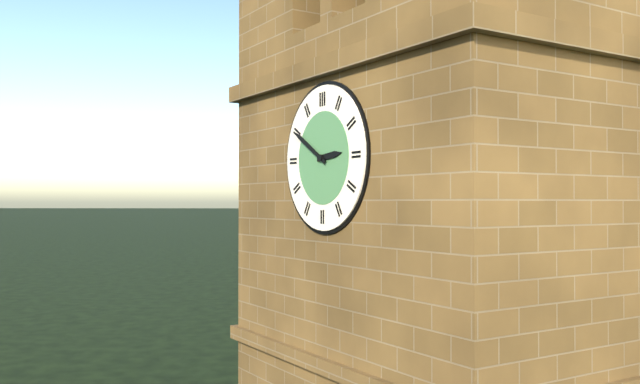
2:50
